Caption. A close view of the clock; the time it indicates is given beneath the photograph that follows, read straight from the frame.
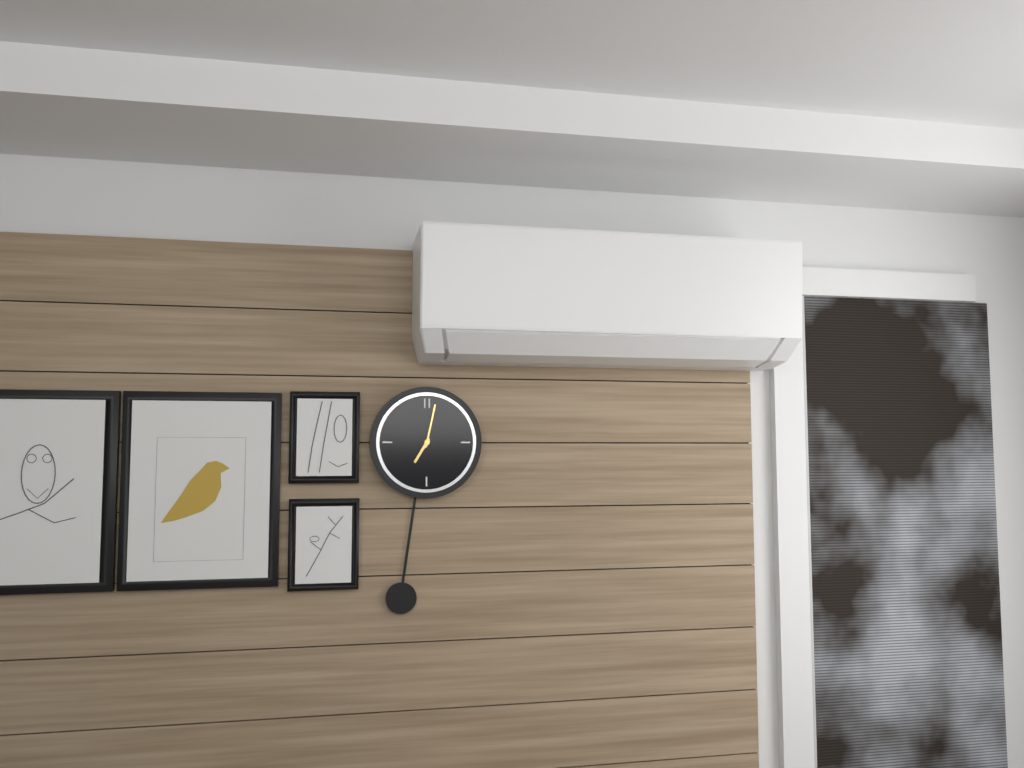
7:02
